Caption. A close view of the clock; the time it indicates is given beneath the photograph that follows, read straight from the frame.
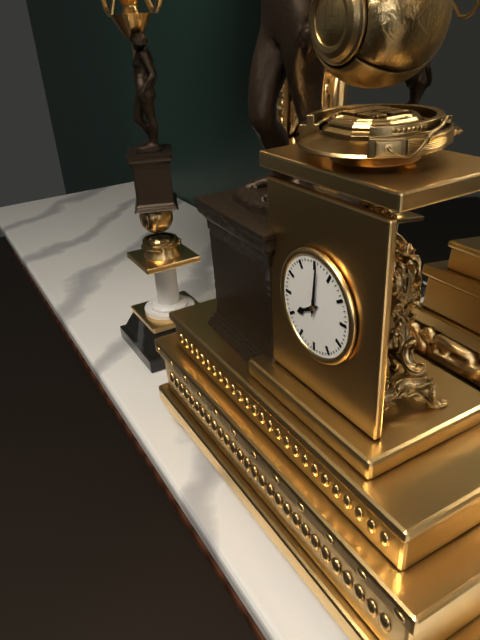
8:01
